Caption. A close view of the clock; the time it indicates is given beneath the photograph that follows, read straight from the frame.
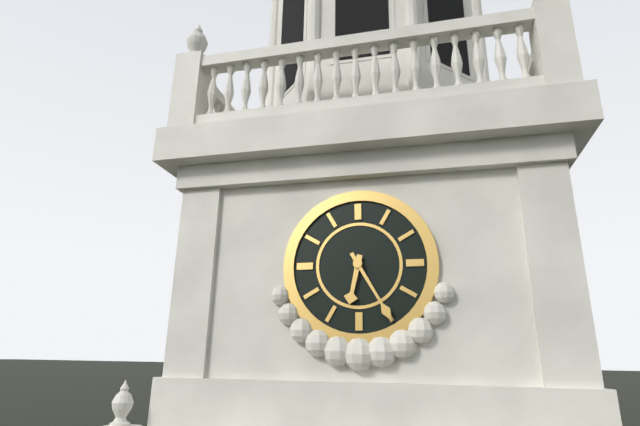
6:25
